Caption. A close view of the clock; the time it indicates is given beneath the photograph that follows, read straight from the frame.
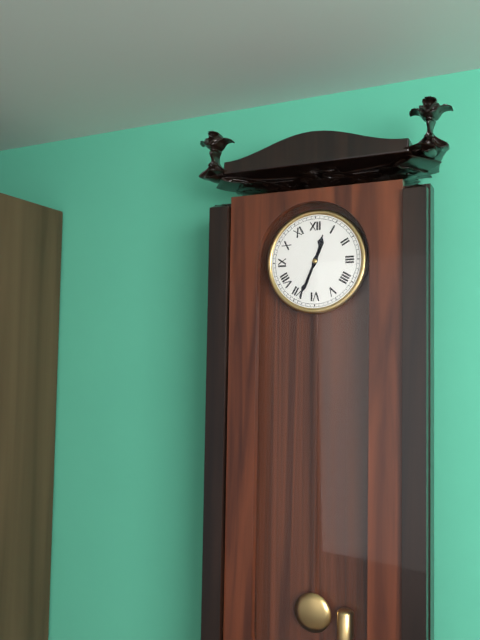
12:34
